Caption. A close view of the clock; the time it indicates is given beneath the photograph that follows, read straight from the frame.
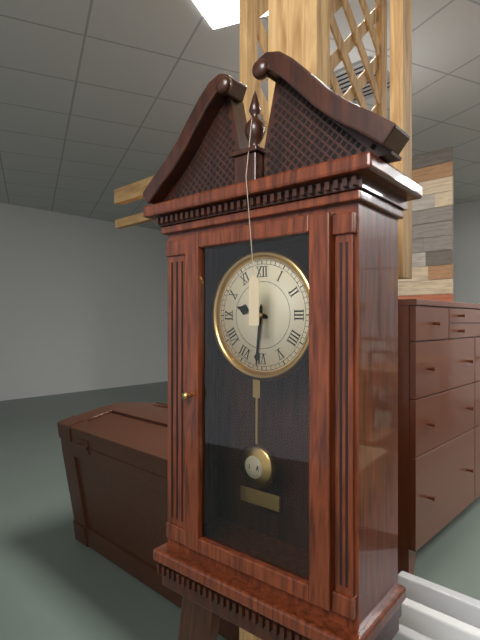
9:31
